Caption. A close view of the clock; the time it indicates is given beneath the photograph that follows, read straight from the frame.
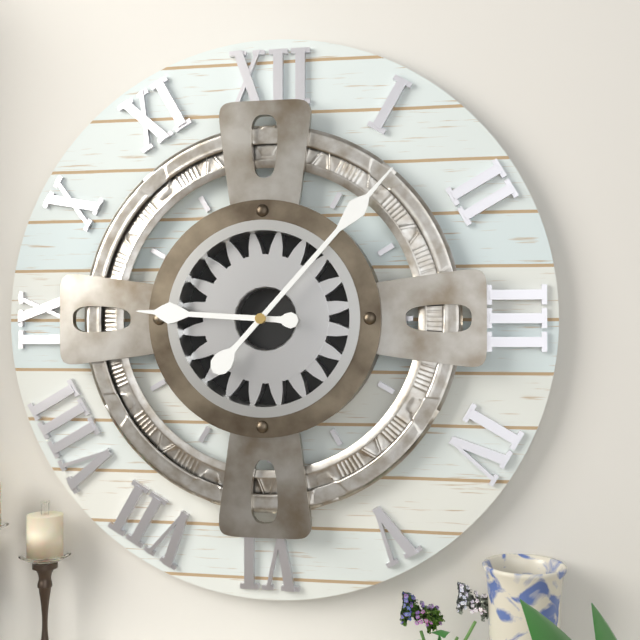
9:07
